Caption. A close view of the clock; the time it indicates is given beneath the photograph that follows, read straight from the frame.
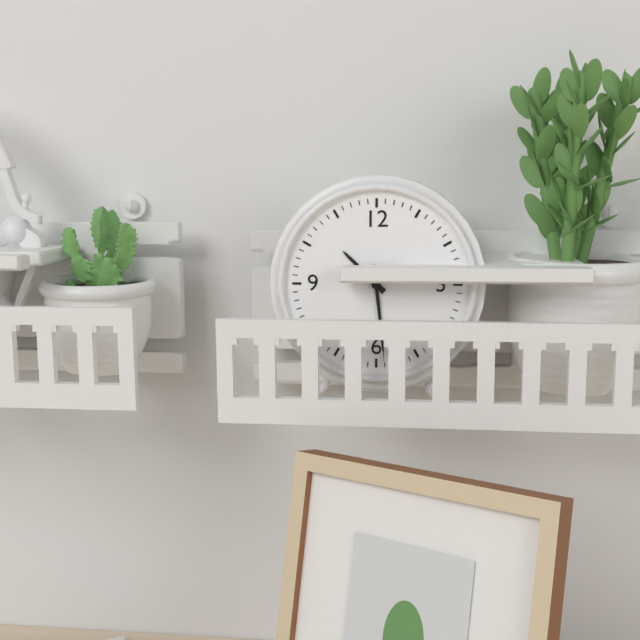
10:29:29
